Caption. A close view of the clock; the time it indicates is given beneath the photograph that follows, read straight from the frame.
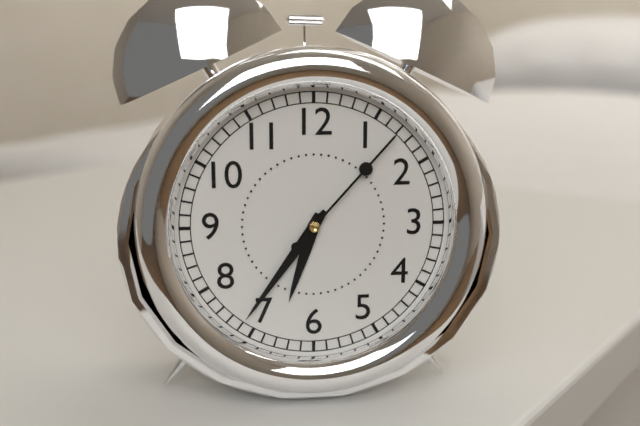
6:36:07
